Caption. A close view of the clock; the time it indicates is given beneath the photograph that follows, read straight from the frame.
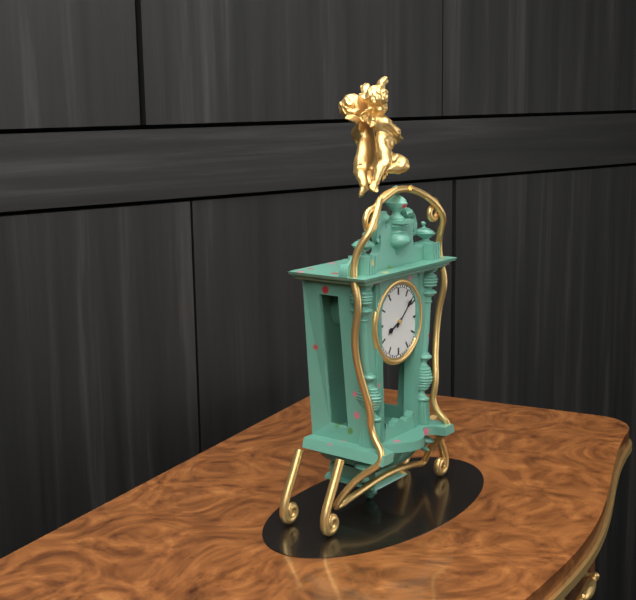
8:08
